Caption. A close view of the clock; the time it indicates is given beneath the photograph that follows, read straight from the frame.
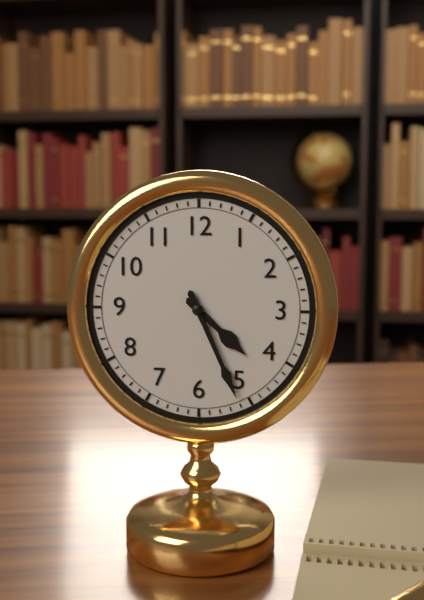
4:26
